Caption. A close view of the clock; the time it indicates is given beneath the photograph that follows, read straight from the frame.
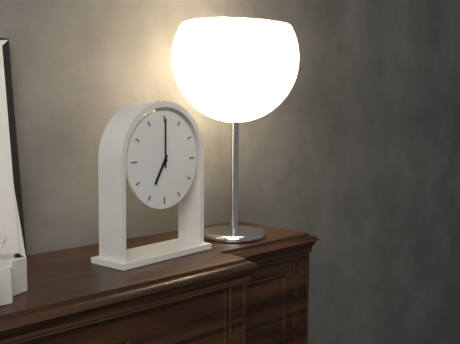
7:00
